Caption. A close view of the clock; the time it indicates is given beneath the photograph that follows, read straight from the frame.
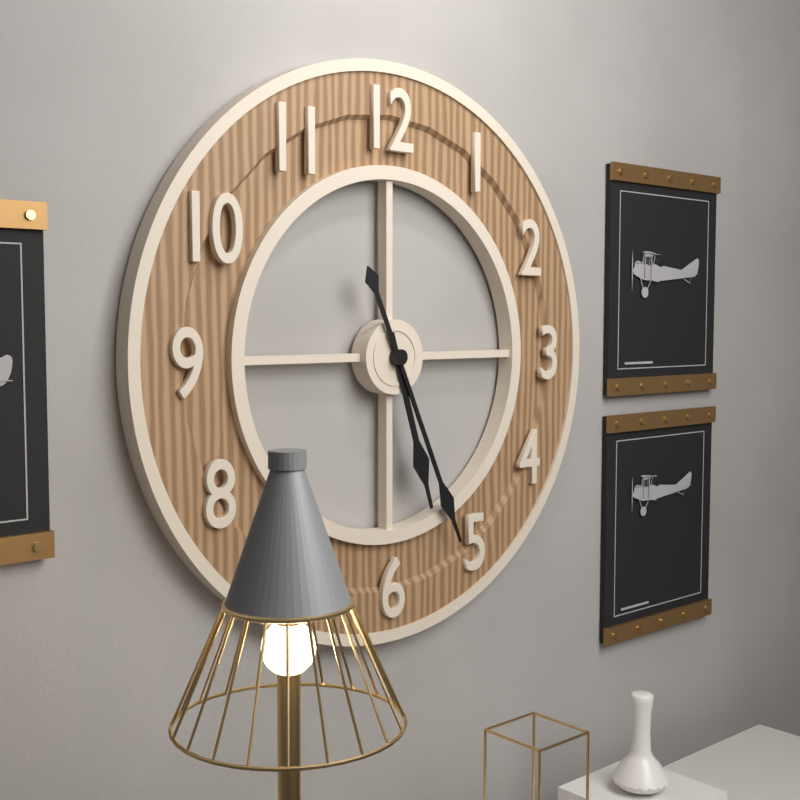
5:26
